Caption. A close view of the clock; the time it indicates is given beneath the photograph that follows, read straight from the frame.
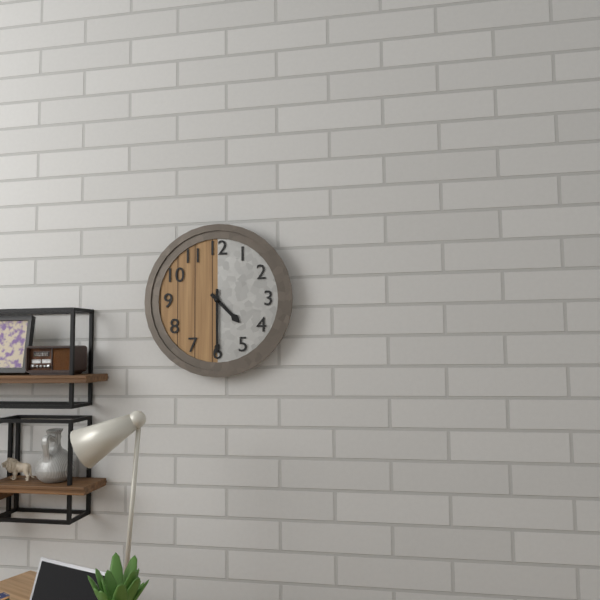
4:30
